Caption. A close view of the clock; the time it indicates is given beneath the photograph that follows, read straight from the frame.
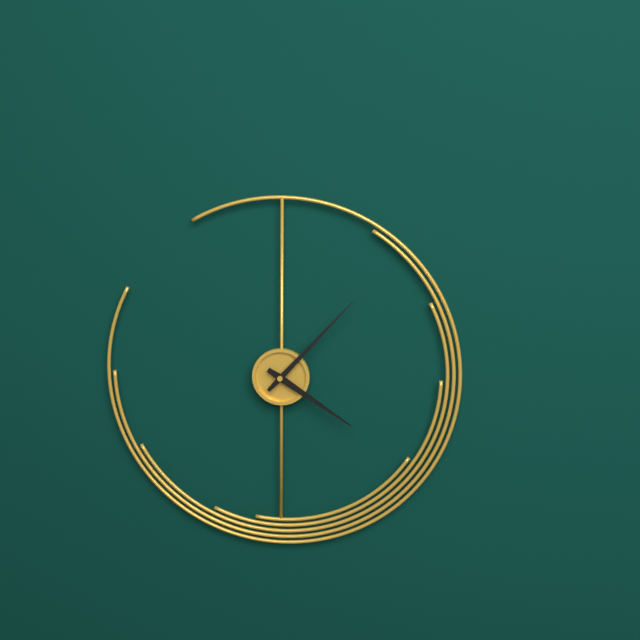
4:07
